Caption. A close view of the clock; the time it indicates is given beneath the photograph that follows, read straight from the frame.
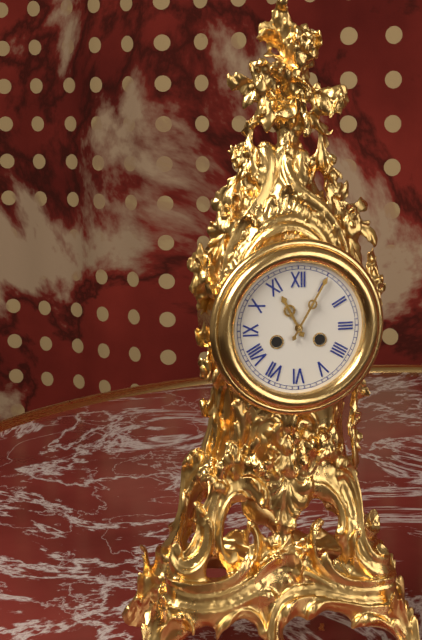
11:05
